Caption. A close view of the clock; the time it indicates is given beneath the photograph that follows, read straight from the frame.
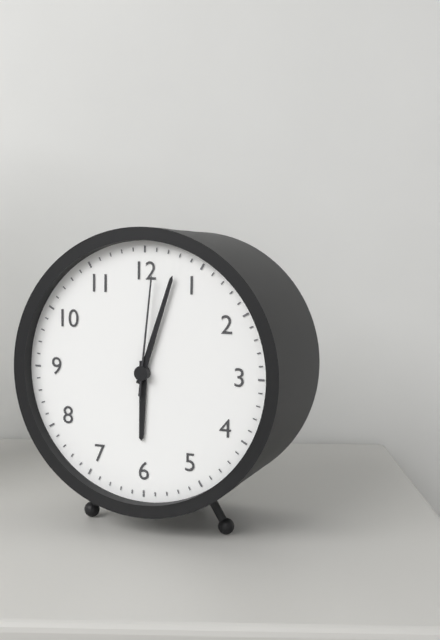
6:03:01
